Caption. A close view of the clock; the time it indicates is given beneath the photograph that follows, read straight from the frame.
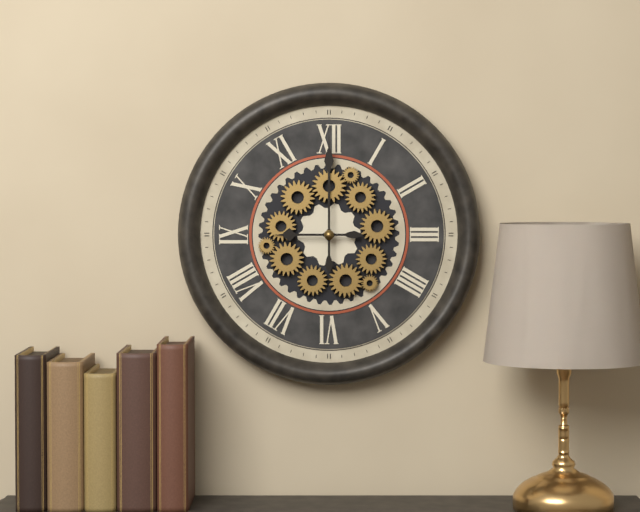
9:00
